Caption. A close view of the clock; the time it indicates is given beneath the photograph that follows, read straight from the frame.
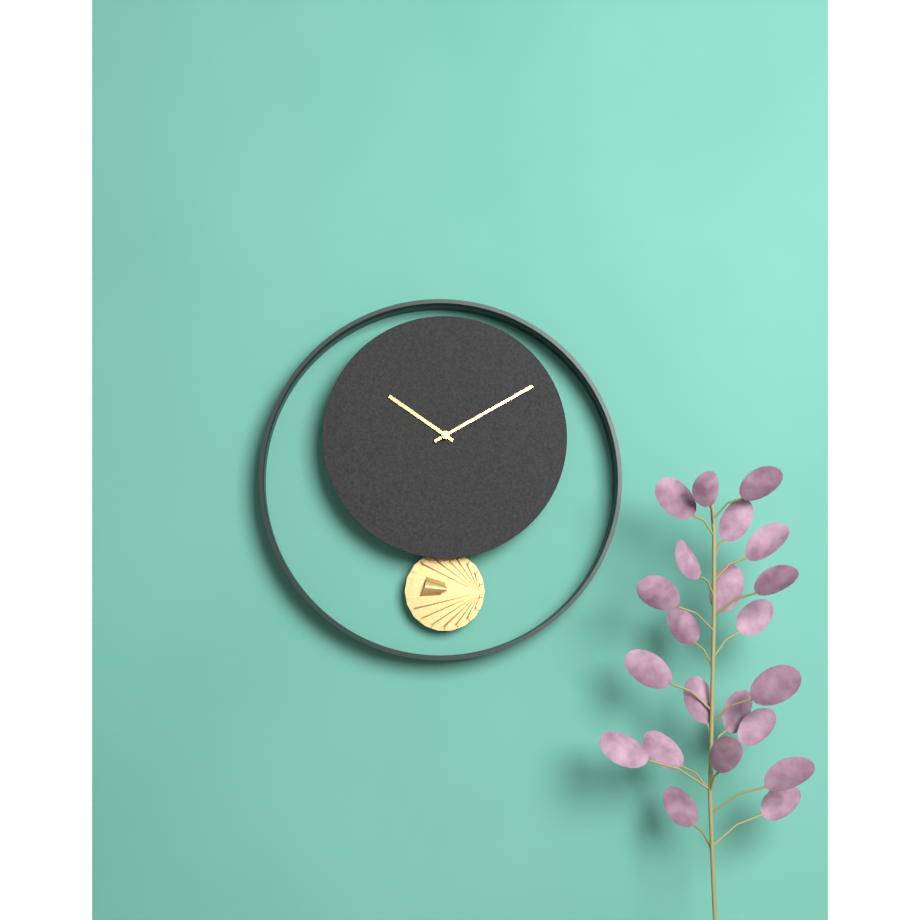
10:10
